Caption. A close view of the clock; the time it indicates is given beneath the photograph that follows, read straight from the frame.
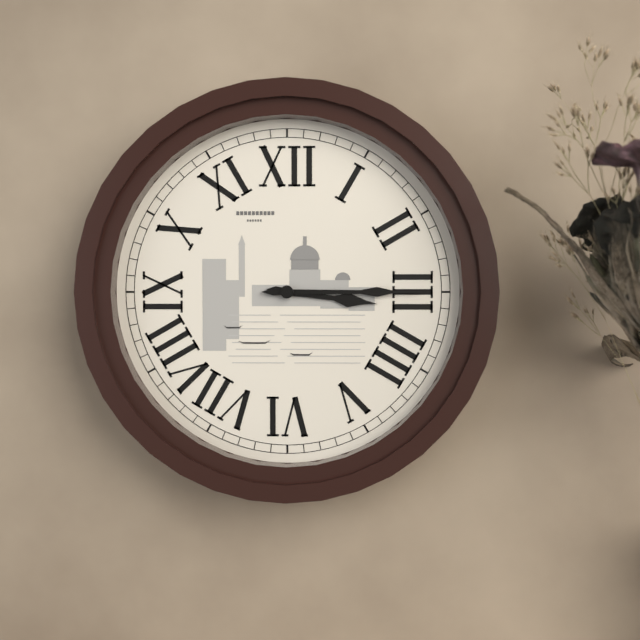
3:15
